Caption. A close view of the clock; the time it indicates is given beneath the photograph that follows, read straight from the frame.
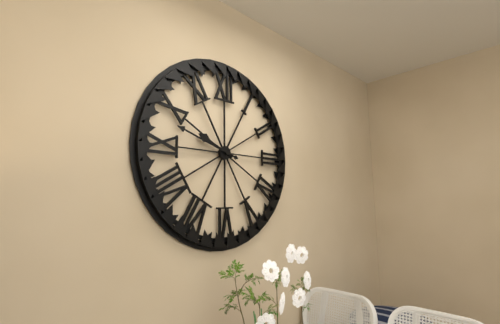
9:48
